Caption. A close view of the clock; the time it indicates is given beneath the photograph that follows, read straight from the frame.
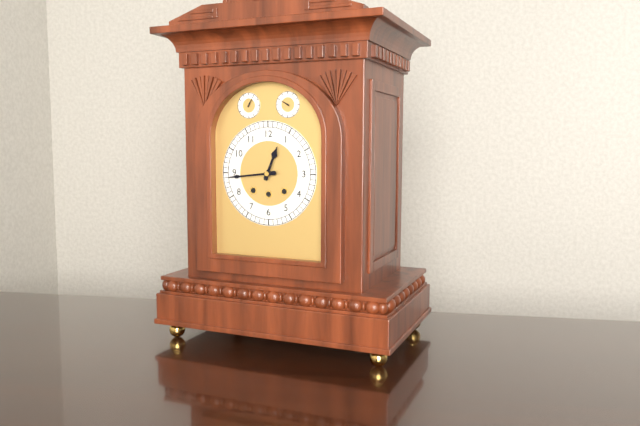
12:44
